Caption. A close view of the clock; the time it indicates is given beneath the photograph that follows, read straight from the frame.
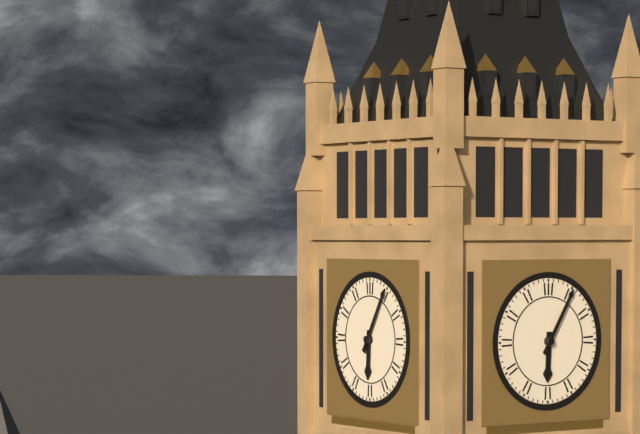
6:05
